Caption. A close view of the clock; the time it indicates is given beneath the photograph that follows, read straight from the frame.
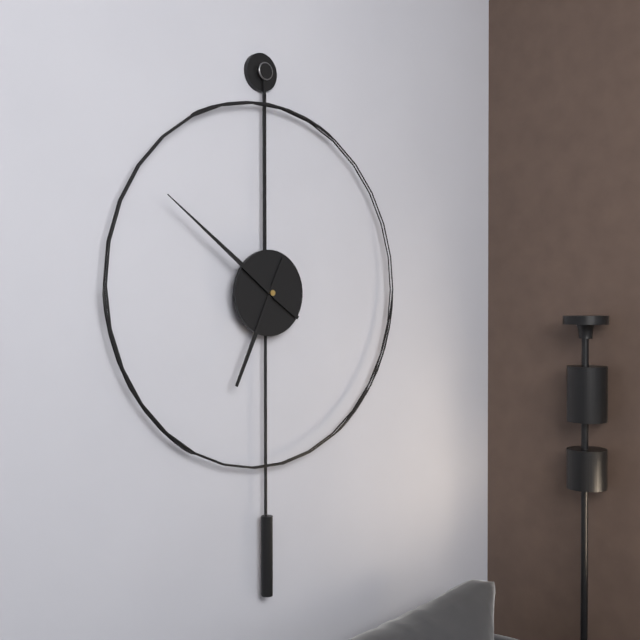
6:51
